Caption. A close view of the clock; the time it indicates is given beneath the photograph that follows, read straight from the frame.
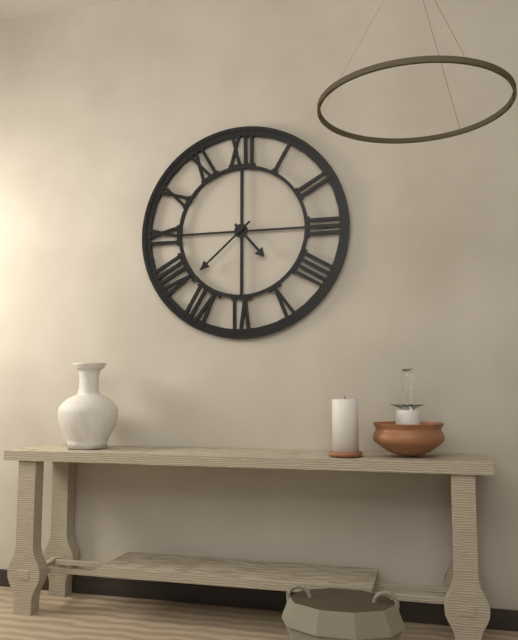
4:38
